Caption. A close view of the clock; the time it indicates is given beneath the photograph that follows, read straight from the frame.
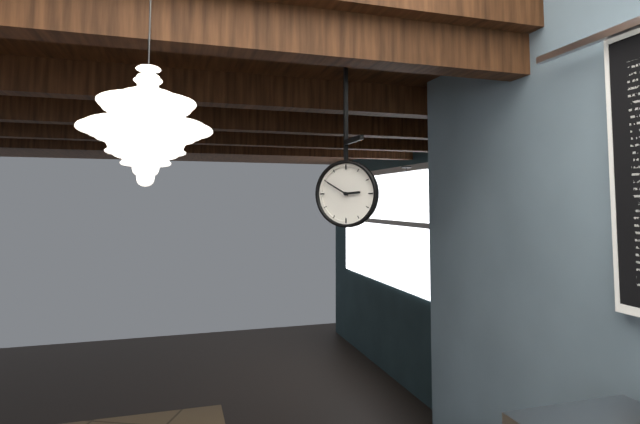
2:50
